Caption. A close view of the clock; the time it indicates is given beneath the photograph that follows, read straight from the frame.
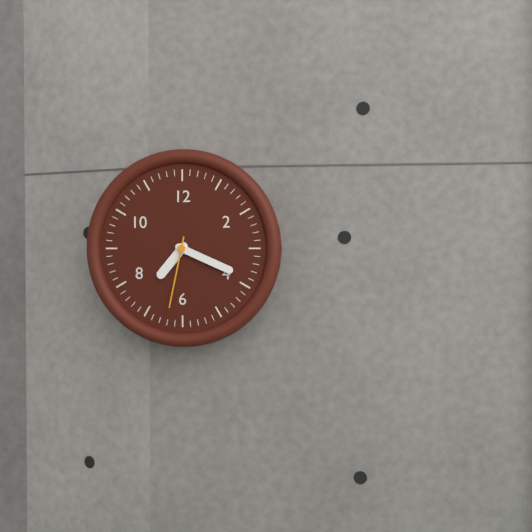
7:19:32
